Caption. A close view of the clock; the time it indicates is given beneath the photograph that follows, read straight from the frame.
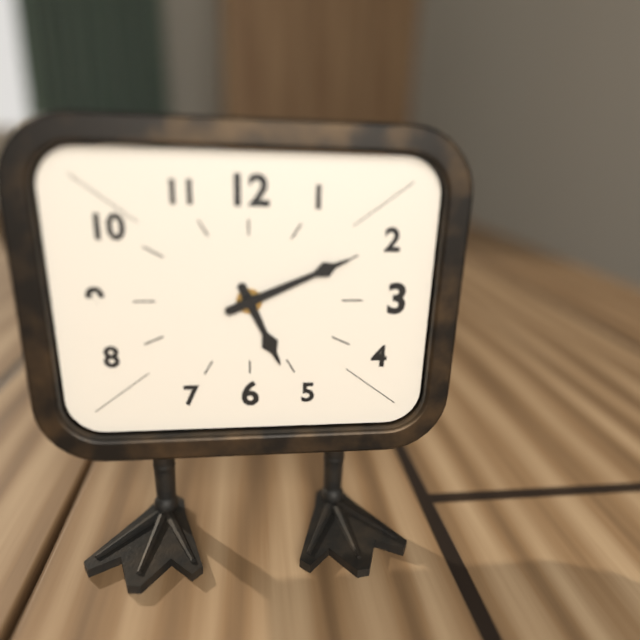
5:11
